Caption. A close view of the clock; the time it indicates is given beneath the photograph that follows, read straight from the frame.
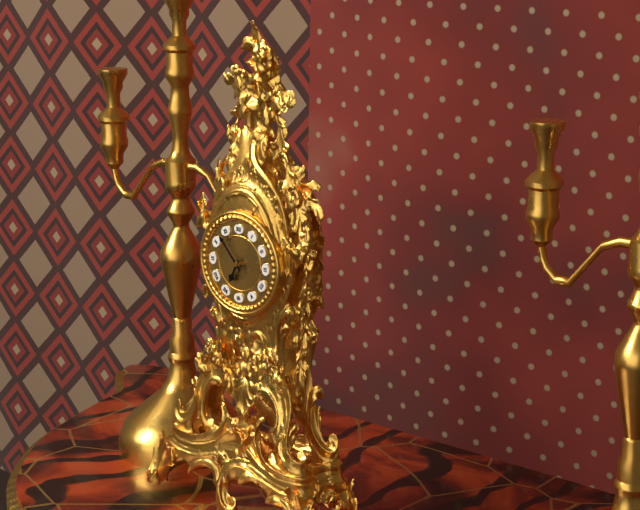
6:53
